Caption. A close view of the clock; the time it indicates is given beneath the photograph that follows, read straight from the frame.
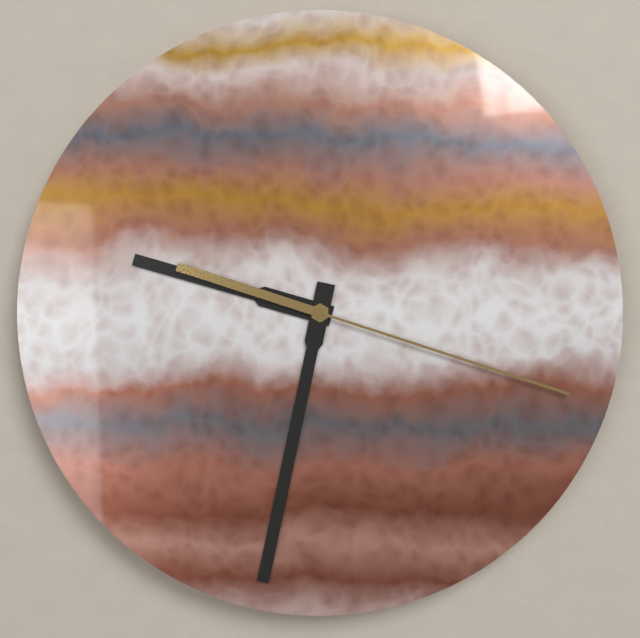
9:32:18
